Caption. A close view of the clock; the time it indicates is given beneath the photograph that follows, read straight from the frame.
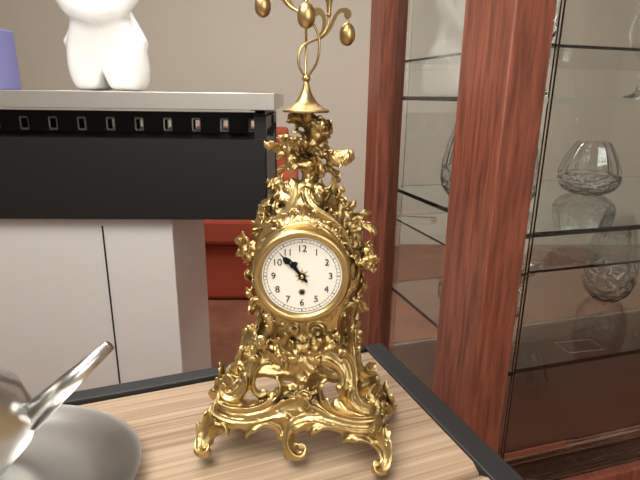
10:53
